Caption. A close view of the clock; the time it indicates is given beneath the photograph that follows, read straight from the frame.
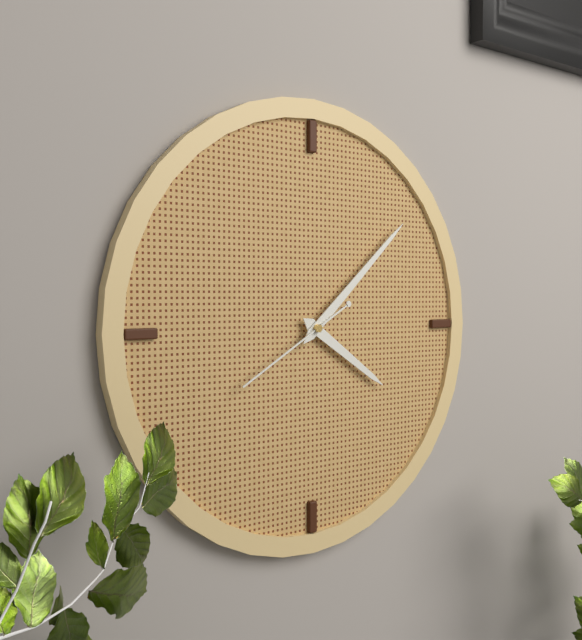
4:08:40
